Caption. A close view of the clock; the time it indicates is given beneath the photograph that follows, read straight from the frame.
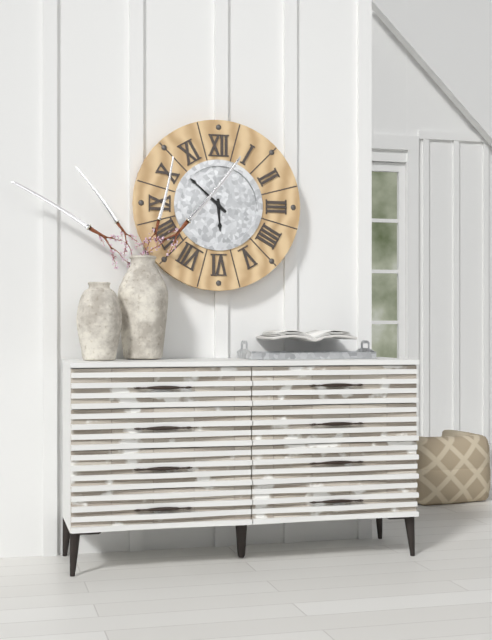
5:52
